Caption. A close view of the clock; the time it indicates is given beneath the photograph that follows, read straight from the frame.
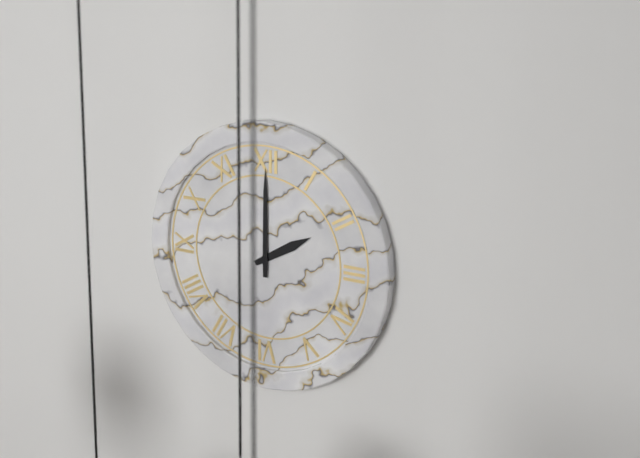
2:00
